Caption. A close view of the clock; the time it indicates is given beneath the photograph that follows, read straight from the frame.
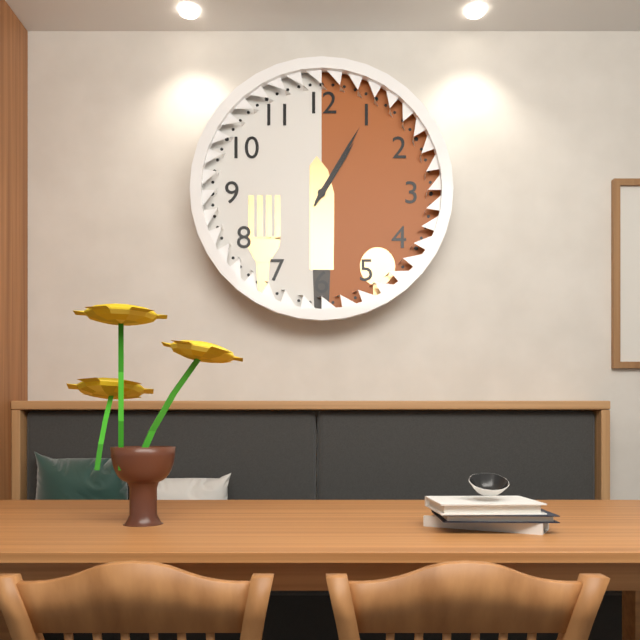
1:05
